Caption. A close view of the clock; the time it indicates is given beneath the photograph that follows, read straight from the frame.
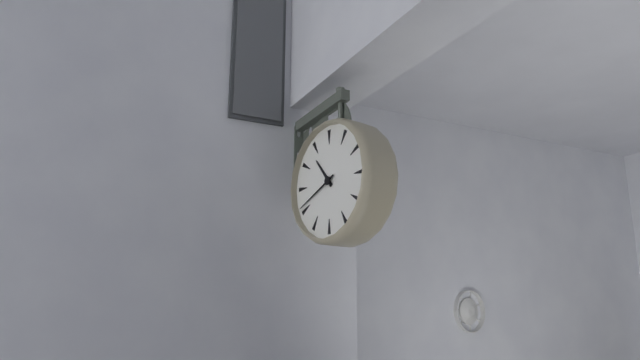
10:41
